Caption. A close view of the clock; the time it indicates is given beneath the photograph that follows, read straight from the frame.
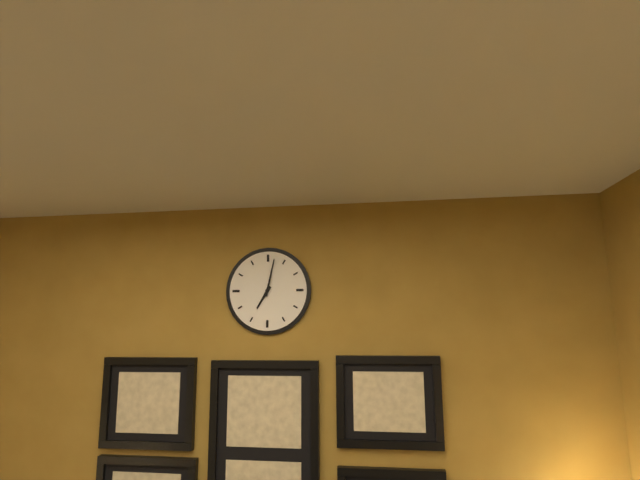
7:02
